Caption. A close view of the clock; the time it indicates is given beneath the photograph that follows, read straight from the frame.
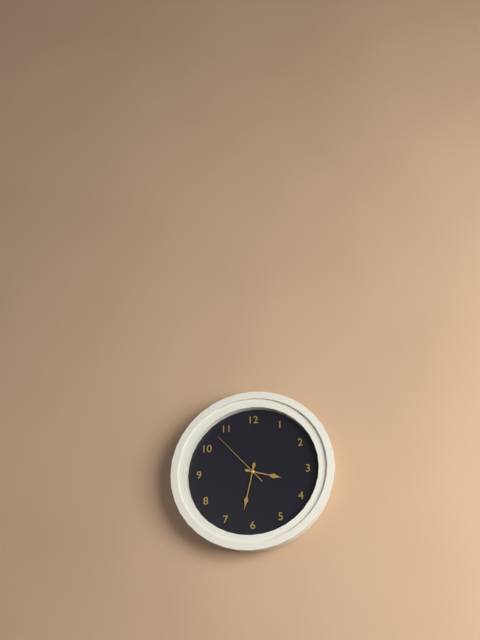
3:32:53
